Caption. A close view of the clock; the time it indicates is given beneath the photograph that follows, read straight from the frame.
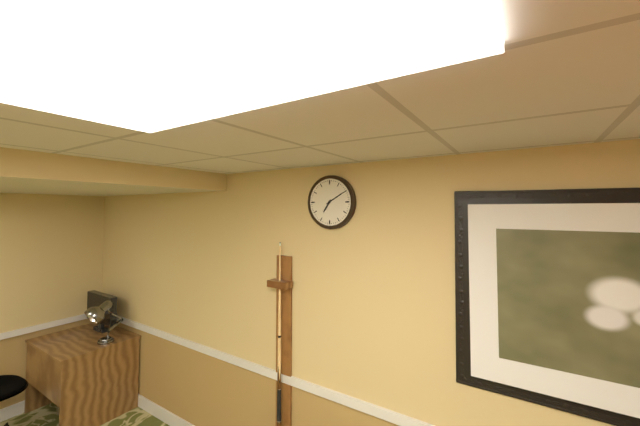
7:10
